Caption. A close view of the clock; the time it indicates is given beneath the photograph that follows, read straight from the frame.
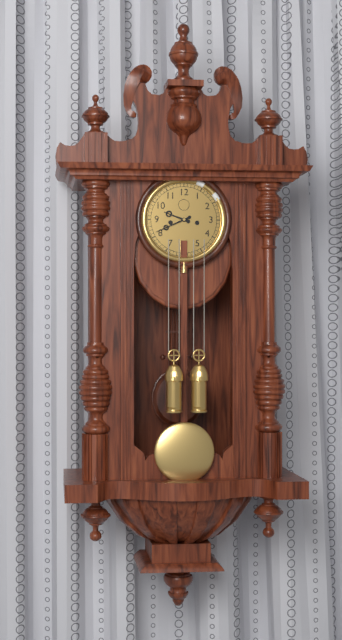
9:41
